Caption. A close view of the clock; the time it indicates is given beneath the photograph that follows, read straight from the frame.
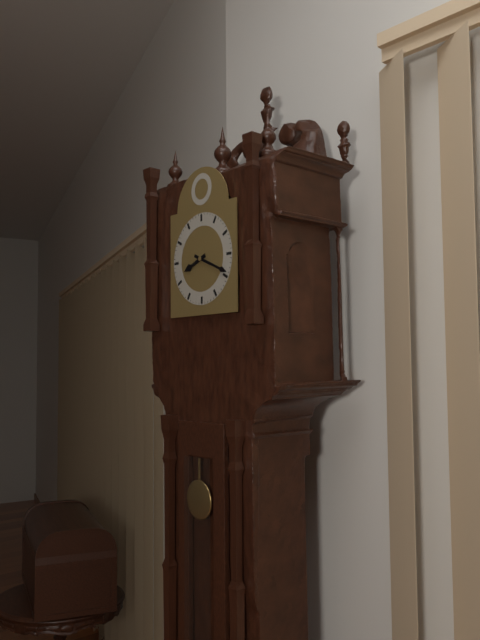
8:19
